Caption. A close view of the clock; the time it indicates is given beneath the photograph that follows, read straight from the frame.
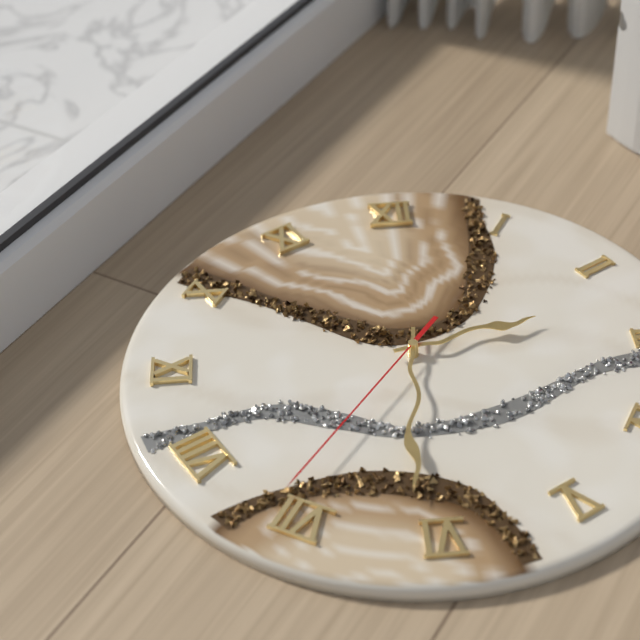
2:31:36
